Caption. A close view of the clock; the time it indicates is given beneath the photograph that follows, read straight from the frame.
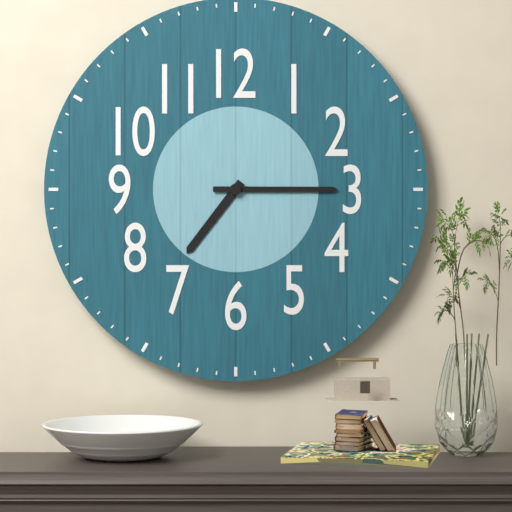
7:15
